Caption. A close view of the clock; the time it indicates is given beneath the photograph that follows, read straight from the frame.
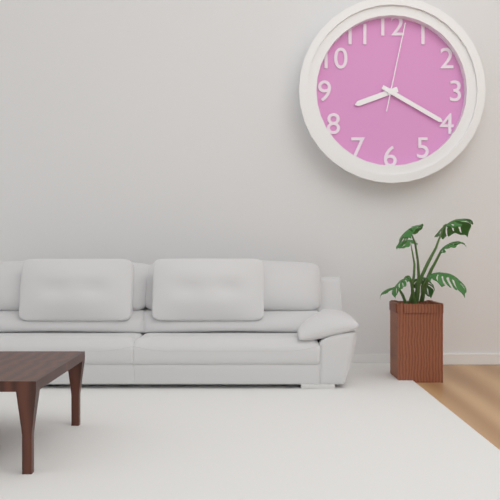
8:20:02
